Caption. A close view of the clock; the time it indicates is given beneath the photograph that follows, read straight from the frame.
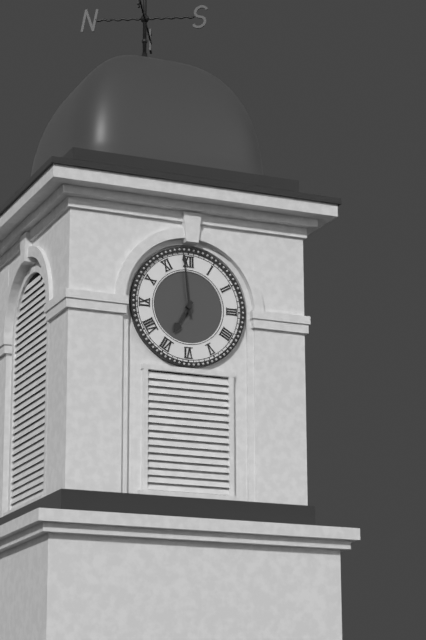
6:59
